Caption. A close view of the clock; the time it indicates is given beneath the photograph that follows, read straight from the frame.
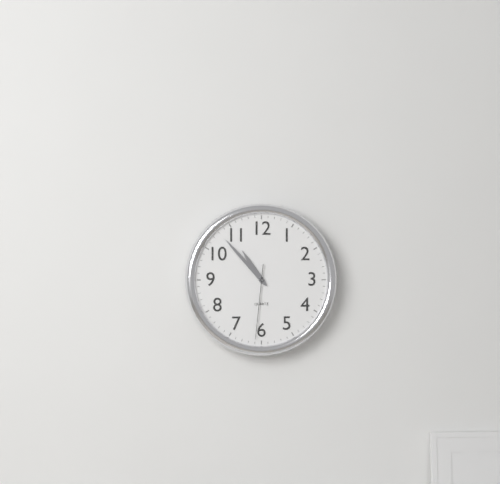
10:53:31
